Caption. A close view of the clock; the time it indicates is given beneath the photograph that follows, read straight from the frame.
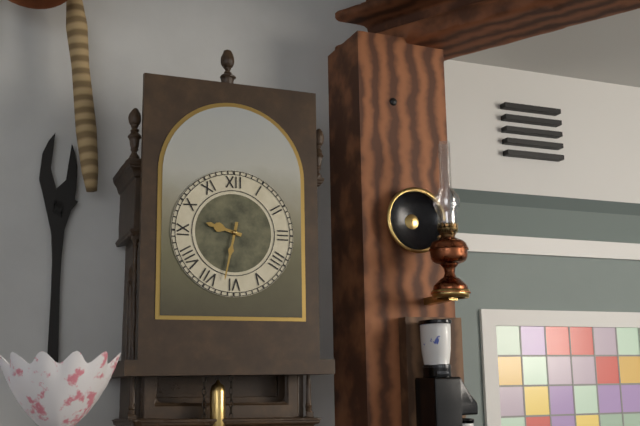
9:32
